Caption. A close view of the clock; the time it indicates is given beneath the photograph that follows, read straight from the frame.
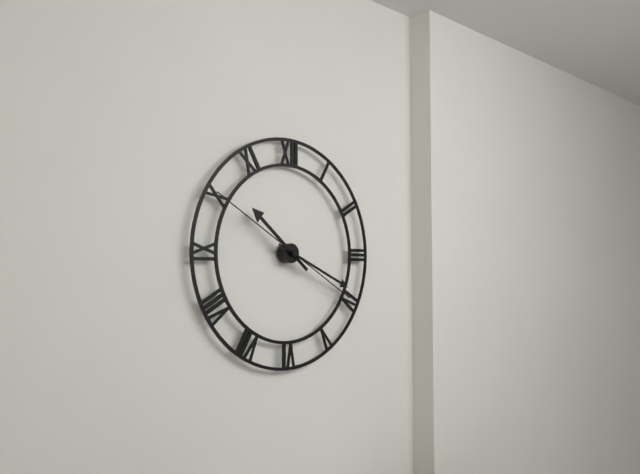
10:19:50
